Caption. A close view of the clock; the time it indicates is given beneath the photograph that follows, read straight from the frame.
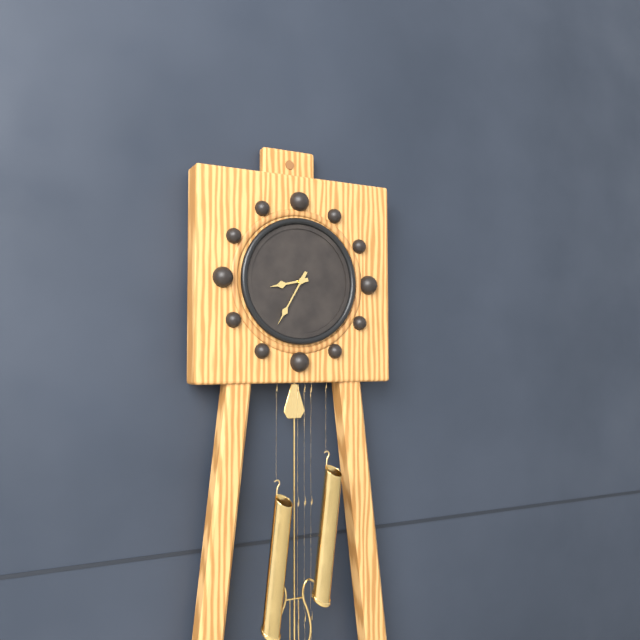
8:35
